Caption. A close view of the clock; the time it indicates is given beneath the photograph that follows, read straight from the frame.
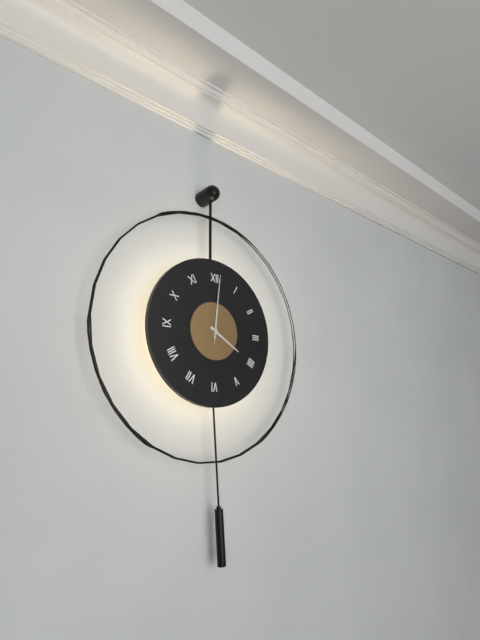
4:01:01
